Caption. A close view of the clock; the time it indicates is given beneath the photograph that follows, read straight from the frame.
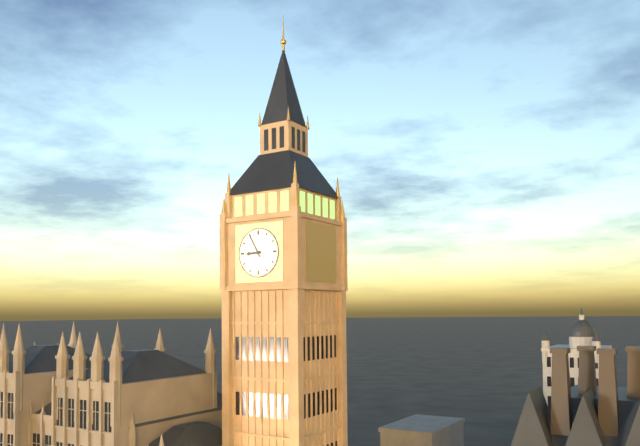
8:55
